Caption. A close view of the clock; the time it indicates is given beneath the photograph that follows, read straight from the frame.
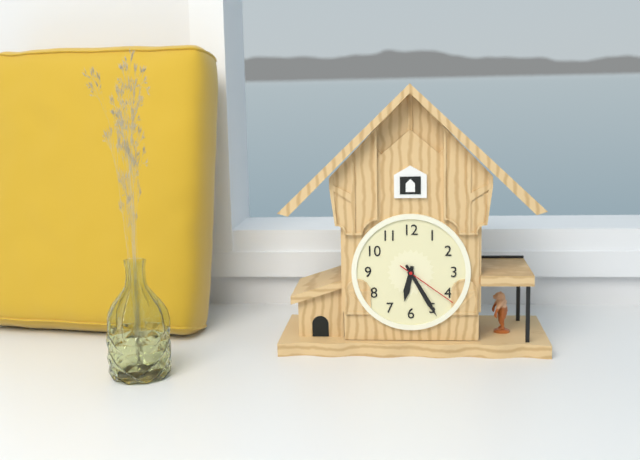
6:25:21
